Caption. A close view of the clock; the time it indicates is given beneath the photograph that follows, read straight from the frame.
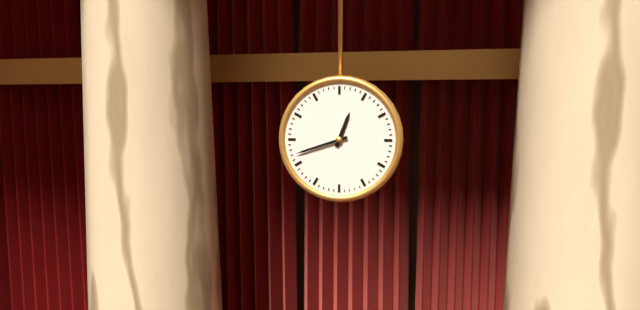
12:42
